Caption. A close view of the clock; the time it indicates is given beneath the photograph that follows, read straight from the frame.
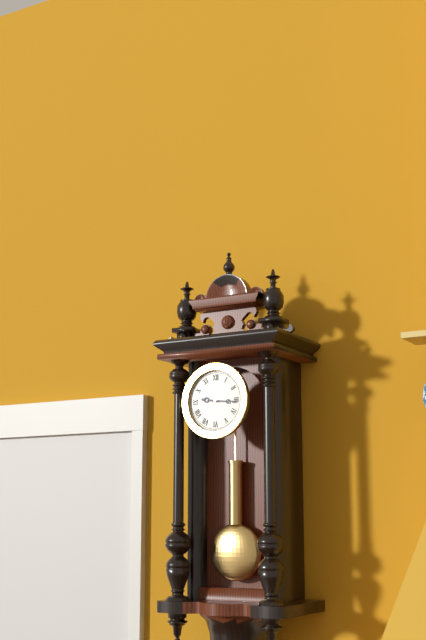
9:16
